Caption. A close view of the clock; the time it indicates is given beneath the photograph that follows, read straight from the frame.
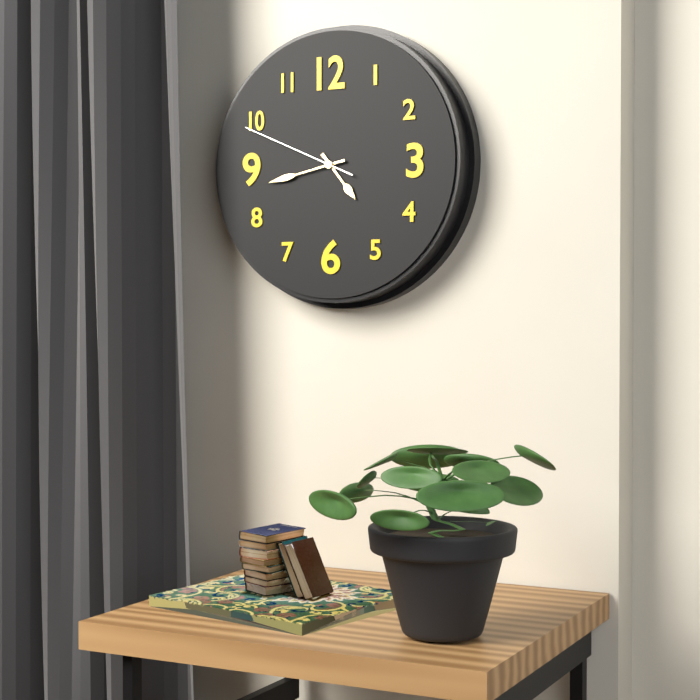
4:43:49
